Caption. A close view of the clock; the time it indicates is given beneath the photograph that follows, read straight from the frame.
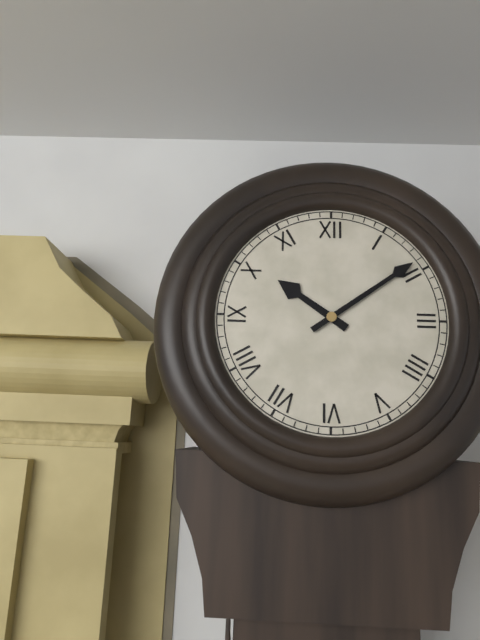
10:09
